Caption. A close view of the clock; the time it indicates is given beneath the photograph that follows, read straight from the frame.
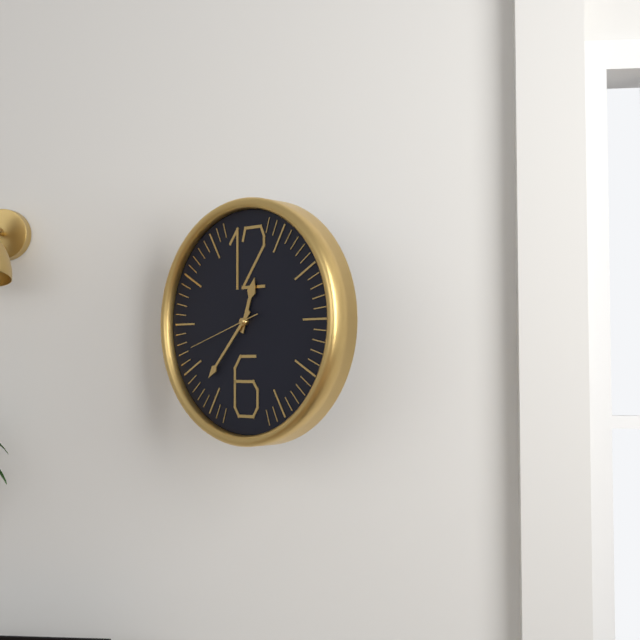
12:37:42
